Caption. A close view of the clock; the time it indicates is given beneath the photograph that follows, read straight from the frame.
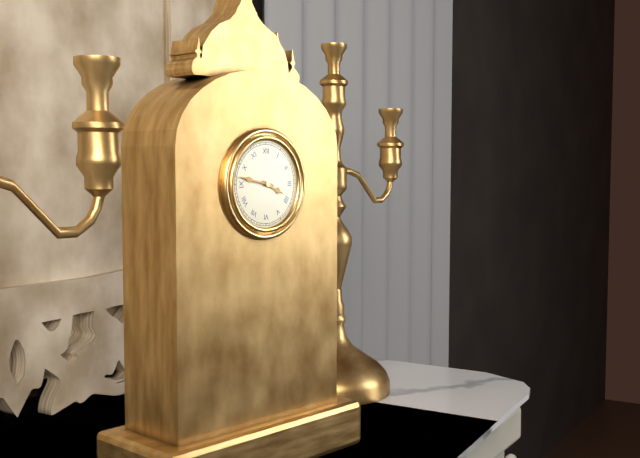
3:47
